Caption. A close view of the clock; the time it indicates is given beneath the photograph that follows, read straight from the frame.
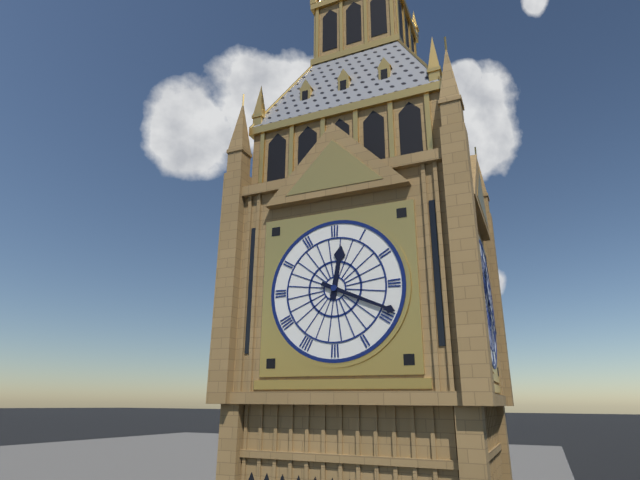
12:19
